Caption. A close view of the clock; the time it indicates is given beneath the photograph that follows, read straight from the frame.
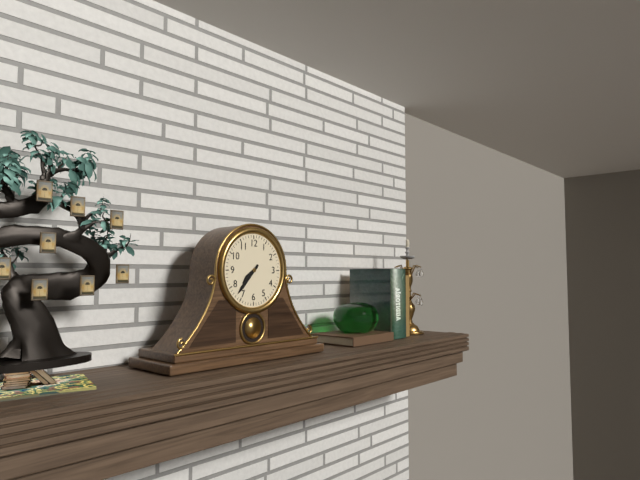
7:37
